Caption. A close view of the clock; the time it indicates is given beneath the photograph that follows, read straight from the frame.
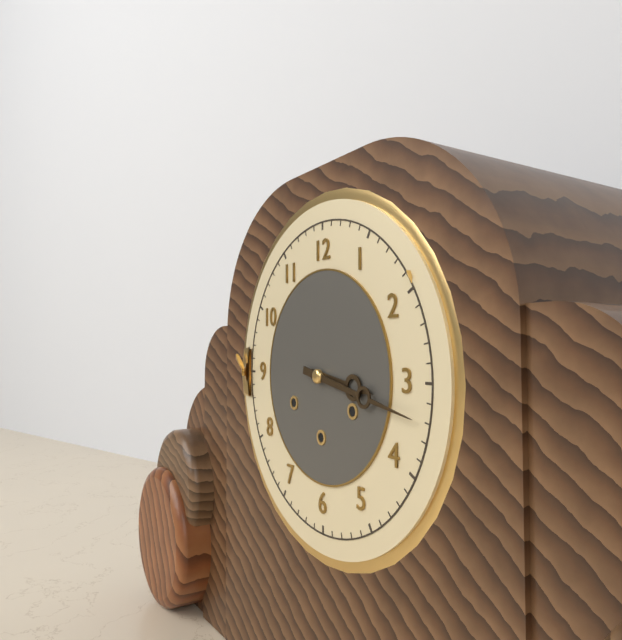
3:17
